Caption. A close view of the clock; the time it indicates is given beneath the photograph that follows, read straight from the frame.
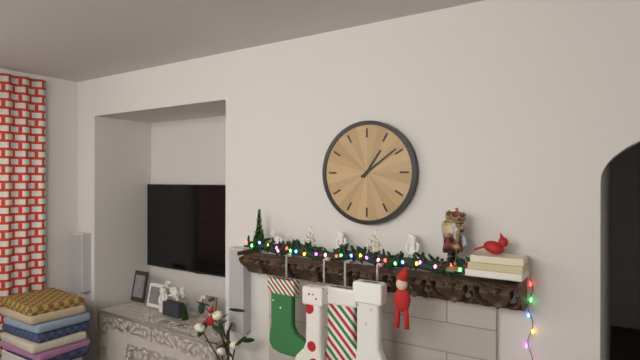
1:09
